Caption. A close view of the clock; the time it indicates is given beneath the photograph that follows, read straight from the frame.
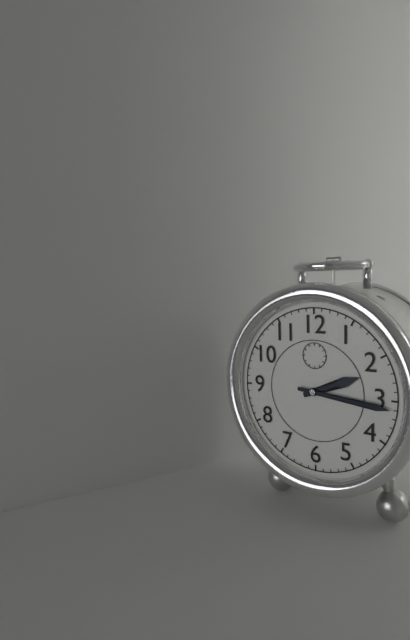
2:16
